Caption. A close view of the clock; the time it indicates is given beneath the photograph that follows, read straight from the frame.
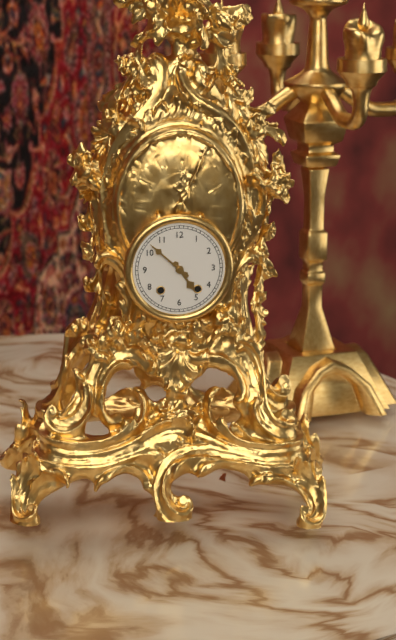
4:52
